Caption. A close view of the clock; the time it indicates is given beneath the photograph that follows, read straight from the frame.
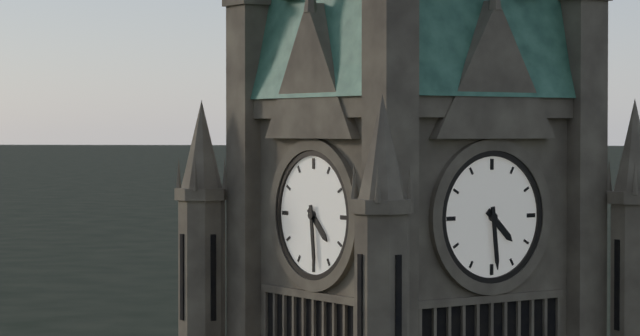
4:29
